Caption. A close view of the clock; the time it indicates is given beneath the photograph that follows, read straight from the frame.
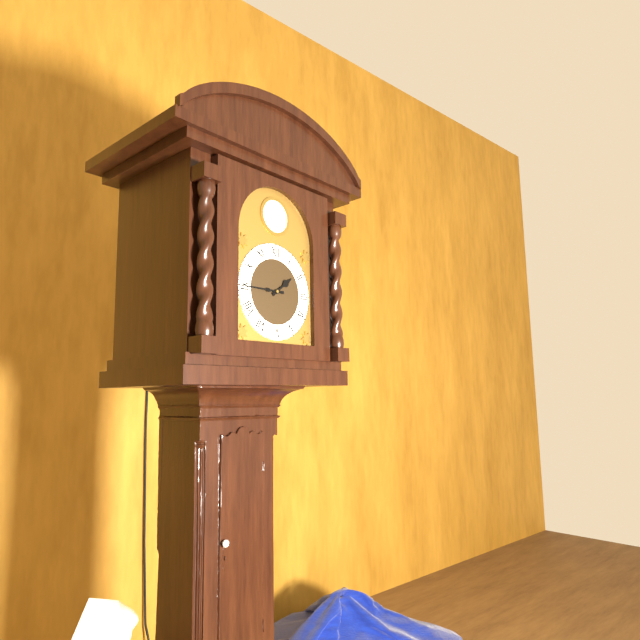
1:45
